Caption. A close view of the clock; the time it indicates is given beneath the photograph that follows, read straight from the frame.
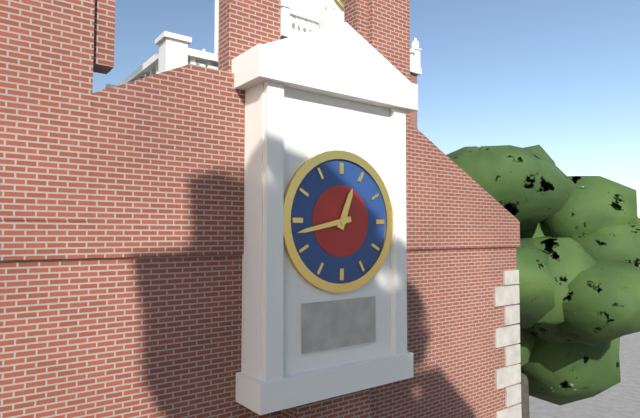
12:43
